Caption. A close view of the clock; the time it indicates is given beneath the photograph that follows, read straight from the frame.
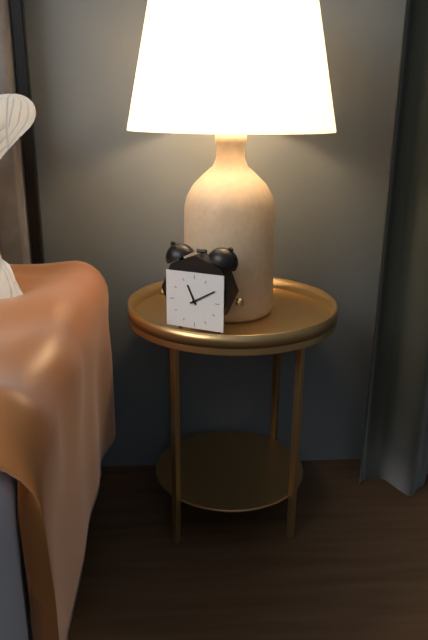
11:10
